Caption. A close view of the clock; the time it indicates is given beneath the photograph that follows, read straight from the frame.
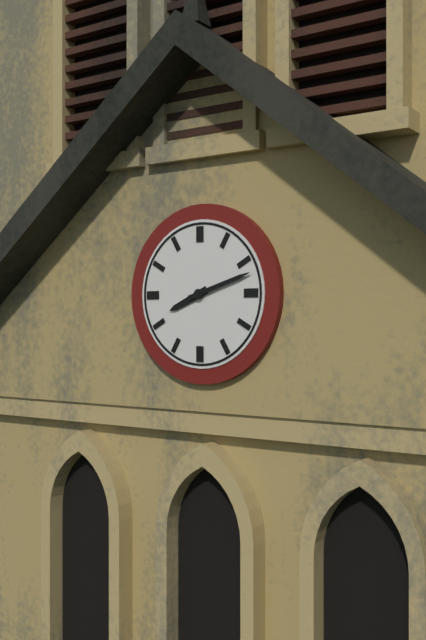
8:12
